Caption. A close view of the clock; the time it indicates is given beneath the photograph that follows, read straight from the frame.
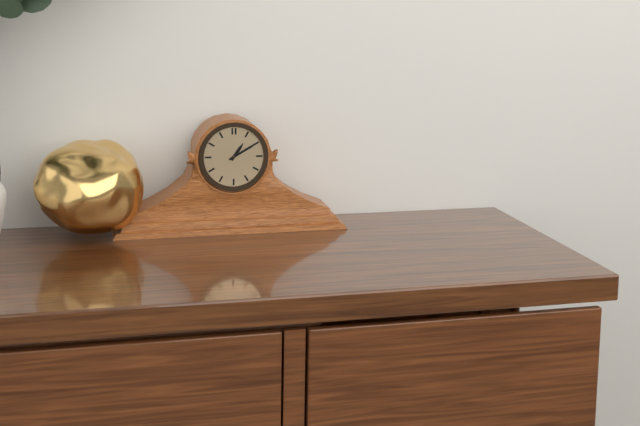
1:10
